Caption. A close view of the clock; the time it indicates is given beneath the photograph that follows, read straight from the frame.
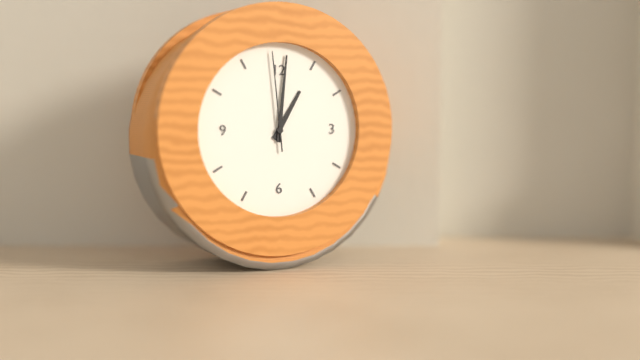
1:01:59
